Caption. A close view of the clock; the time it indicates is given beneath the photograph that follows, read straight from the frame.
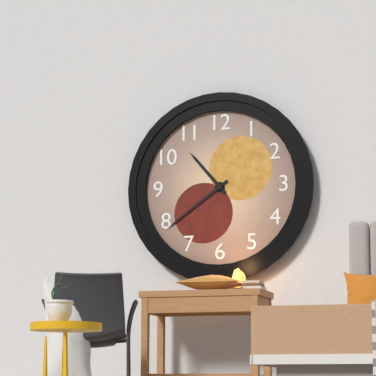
10:39
